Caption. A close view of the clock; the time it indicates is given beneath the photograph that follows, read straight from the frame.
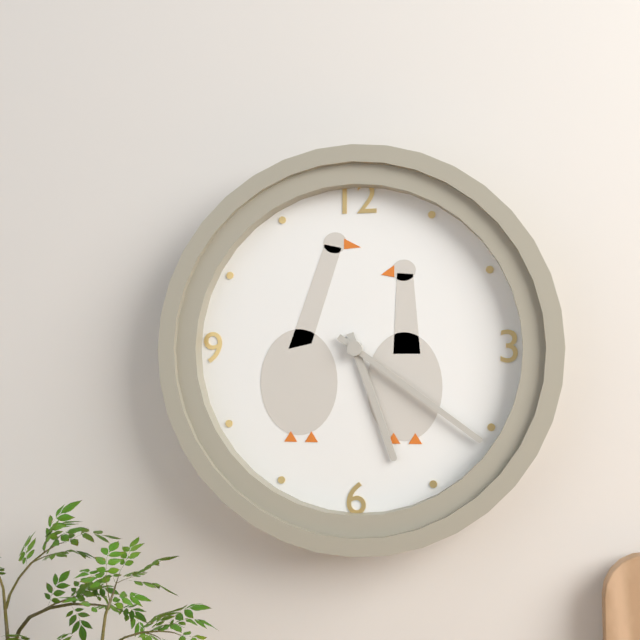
5:21
